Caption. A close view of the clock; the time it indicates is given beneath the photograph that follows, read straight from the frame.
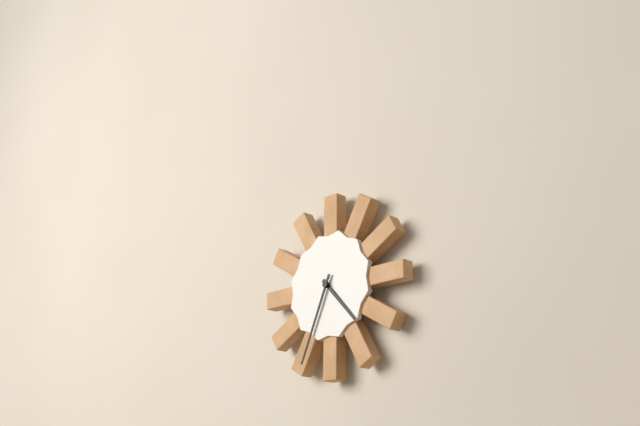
4:34
